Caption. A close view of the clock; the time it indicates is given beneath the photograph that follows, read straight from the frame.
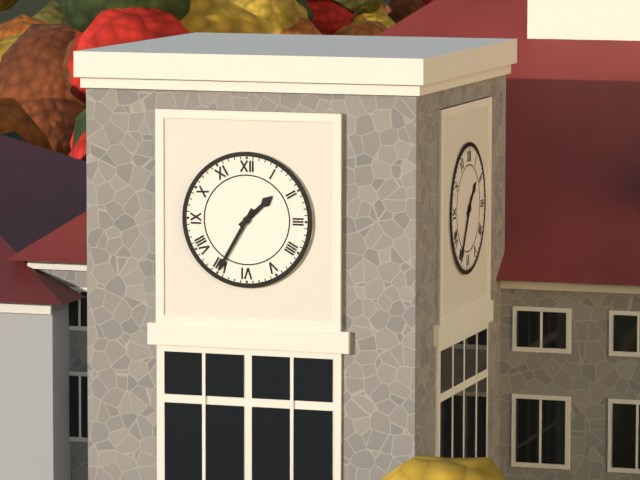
1:35
